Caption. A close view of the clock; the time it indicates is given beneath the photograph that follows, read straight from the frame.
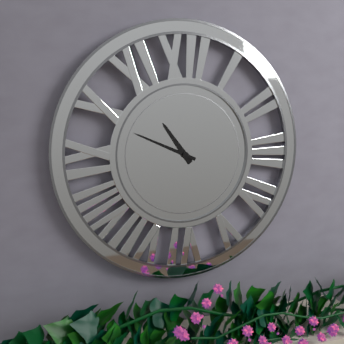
10:49
